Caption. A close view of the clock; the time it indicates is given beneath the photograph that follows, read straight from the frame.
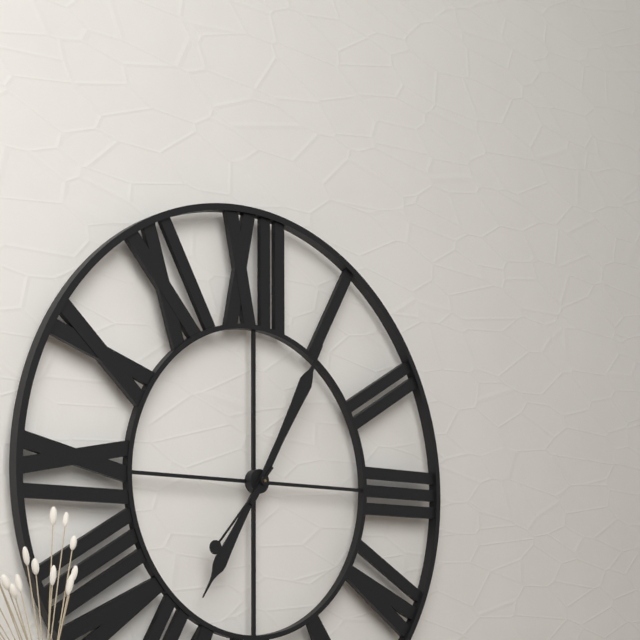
7:05:37
